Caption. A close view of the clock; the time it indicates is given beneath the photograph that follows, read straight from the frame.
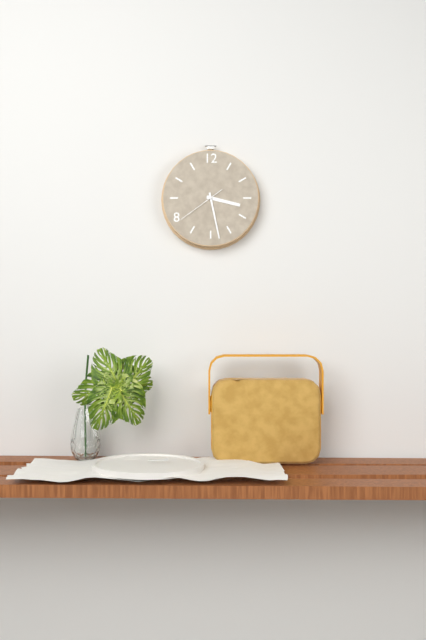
3:28
